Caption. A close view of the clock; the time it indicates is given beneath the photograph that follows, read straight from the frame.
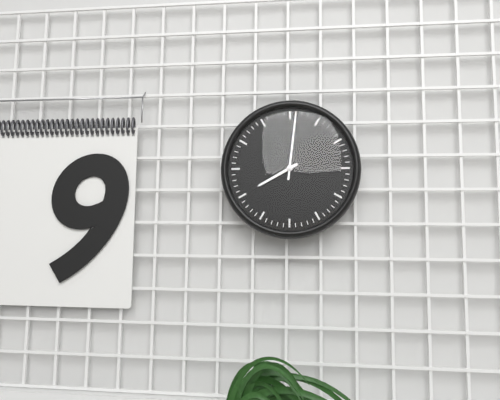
8:01
